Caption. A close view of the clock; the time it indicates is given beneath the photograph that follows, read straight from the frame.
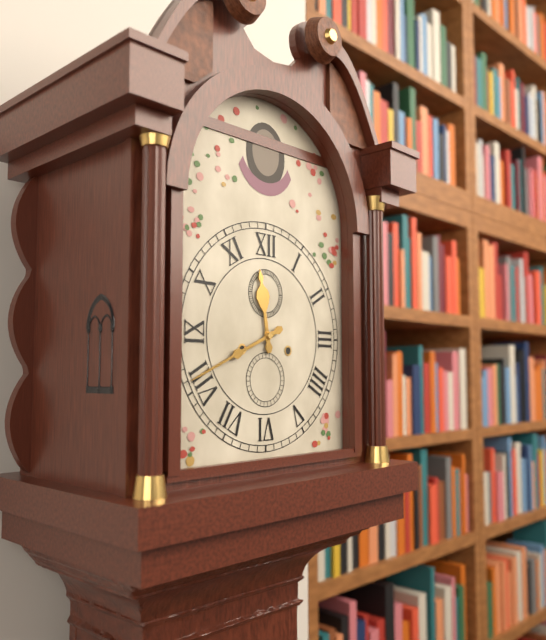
11:41
